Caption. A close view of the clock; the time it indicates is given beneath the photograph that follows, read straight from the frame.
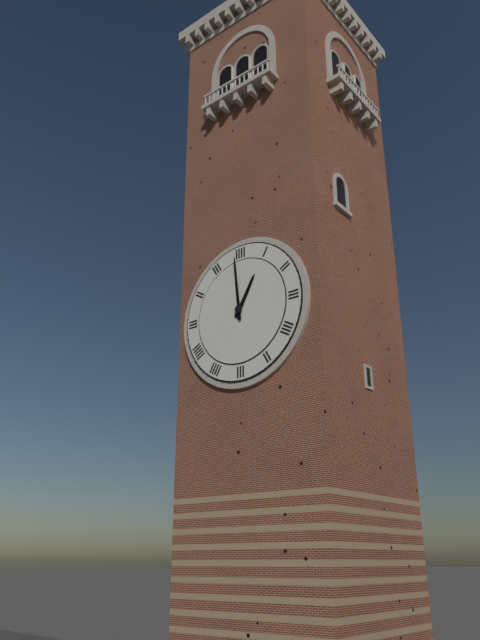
12:59
